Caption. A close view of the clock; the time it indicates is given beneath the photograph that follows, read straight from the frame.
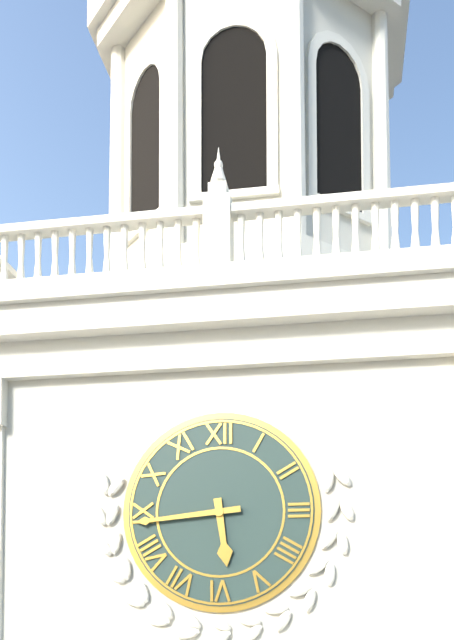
5:44
